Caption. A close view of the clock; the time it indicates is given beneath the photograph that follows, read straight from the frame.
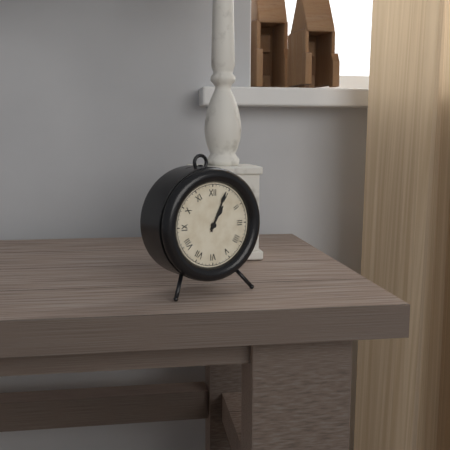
1:04
